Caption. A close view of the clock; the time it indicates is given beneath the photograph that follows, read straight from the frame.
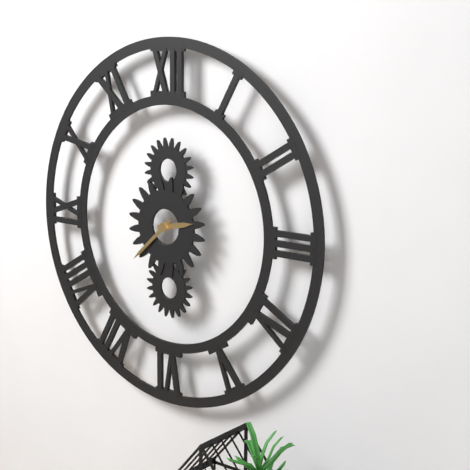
2:38
